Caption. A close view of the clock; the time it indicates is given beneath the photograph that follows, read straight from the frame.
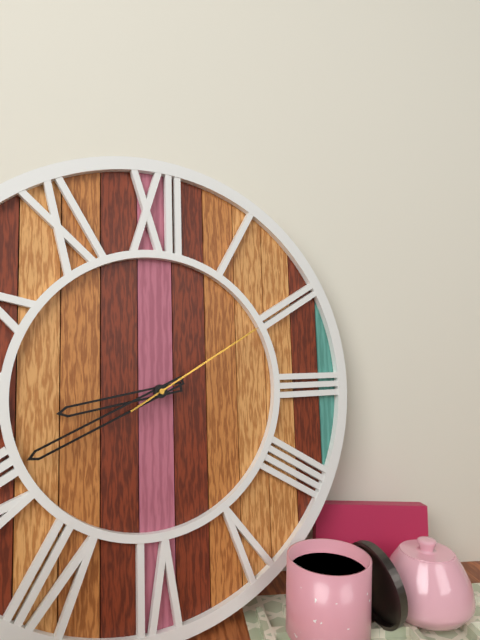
8:41:10
